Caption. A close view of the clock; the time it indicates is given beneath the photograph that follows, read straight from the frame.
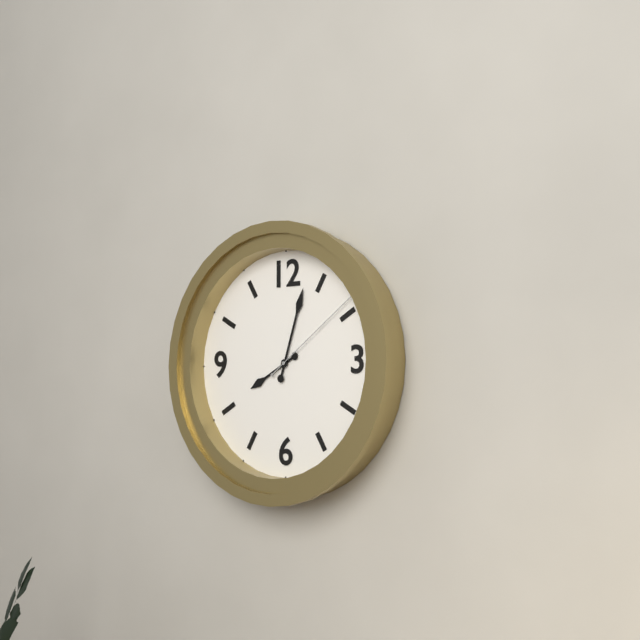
8:03:09
